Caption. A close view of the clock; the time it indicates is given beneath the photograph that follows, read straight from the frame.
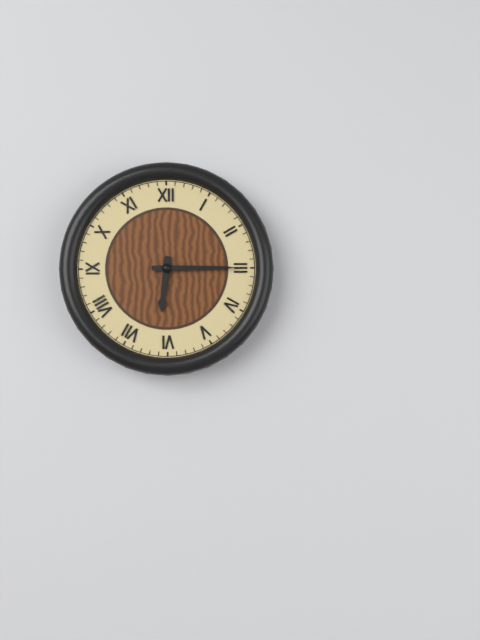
6:15
